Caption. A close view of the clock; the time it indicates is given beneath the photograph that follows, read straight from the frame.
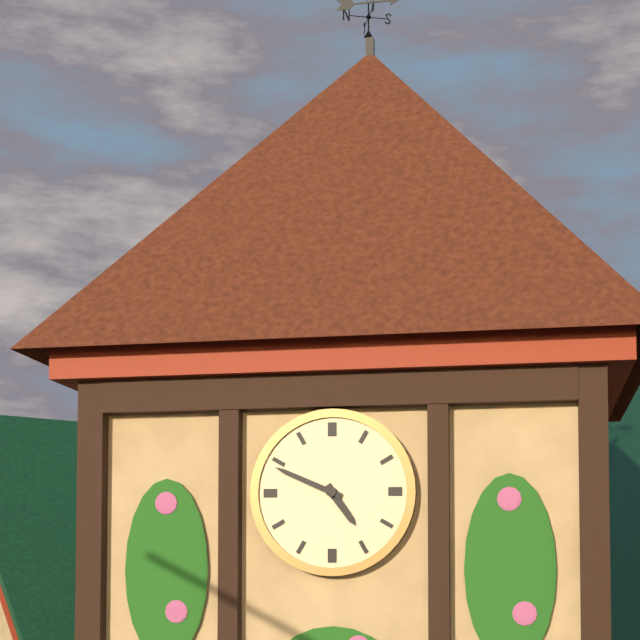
4:49
